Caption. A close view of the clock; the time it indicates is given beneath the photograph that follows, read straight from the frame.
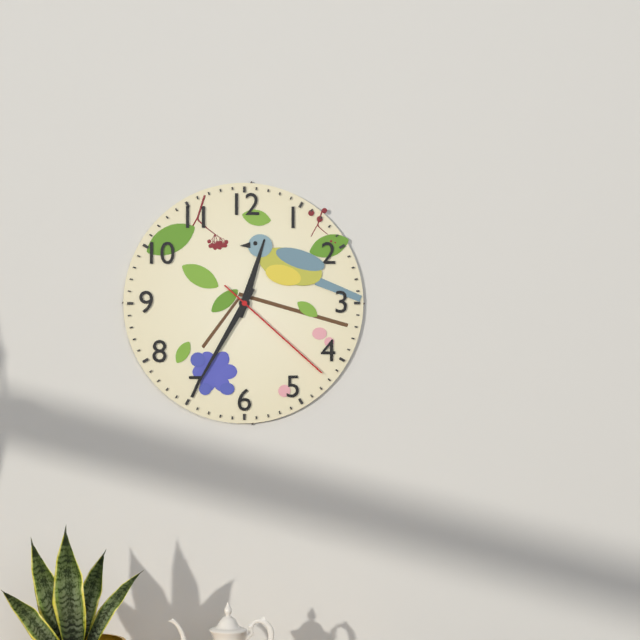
12:35:22
